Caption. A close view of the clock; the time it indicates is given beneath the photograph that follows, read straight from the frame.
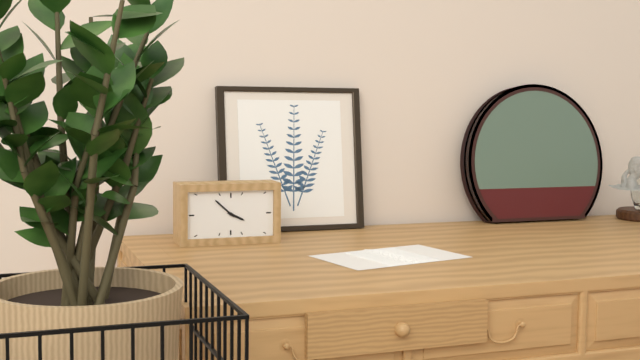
3:52
